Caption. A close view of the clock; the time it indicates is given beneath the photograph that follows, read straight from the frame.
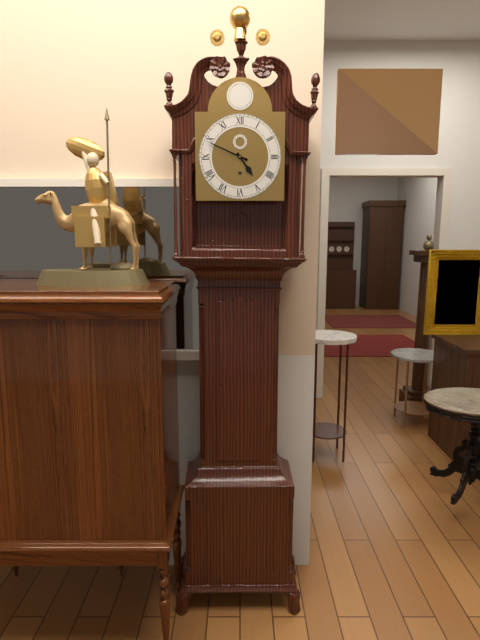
4:49
